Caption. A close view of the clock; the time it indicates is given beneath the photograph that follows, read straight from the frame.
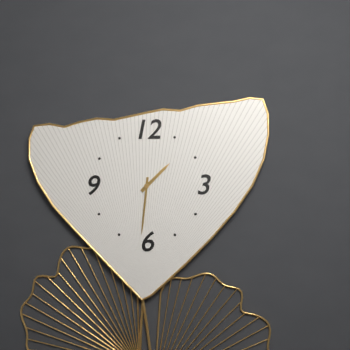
1:31
